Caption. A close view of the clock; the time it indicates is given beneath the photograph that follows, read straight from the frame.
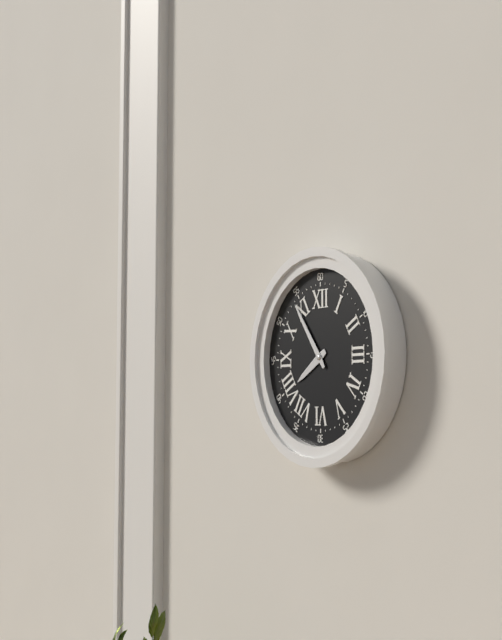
7:54
